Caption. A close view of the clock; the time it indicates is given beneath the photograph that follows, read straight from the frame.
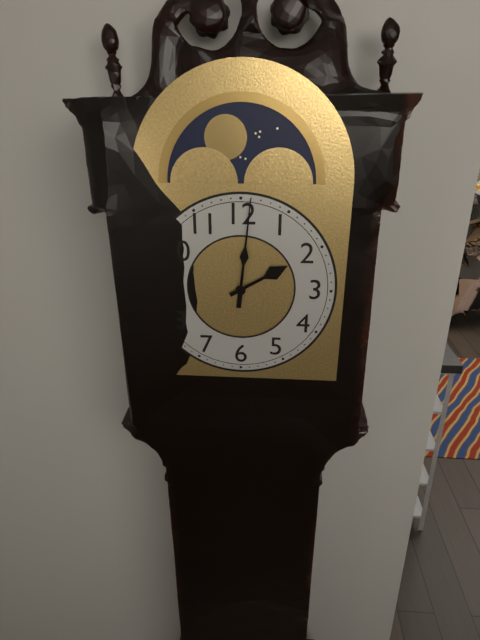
2:01
